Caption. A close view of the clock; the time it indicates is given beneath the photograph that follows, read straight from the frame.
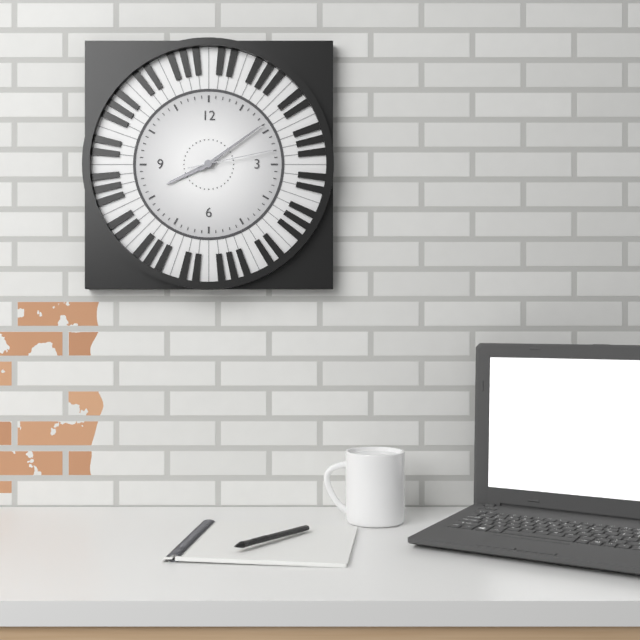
8:09:13
